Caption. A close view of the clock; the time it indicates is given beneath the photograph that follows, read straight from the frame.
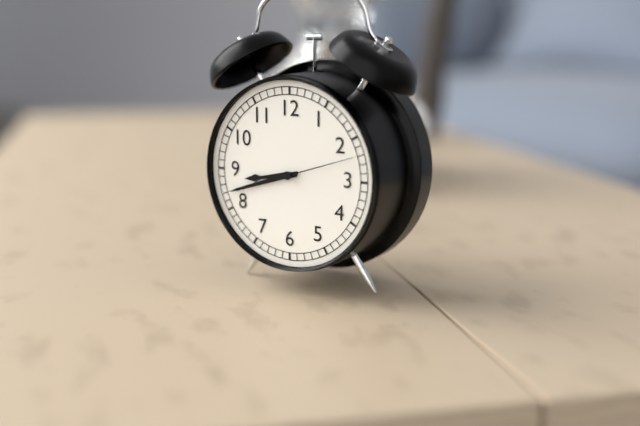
8:42:12
